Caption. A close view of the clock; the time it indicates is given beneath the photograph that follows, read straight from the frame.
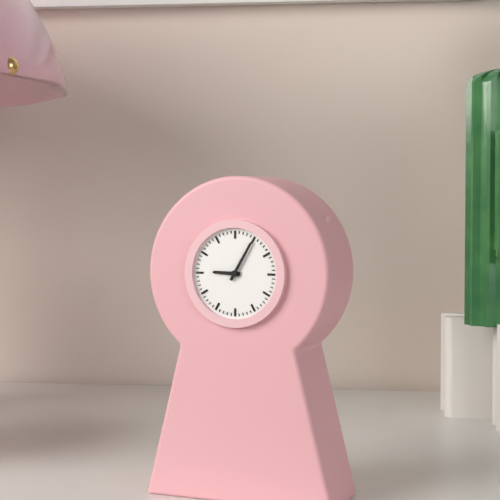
9:05
